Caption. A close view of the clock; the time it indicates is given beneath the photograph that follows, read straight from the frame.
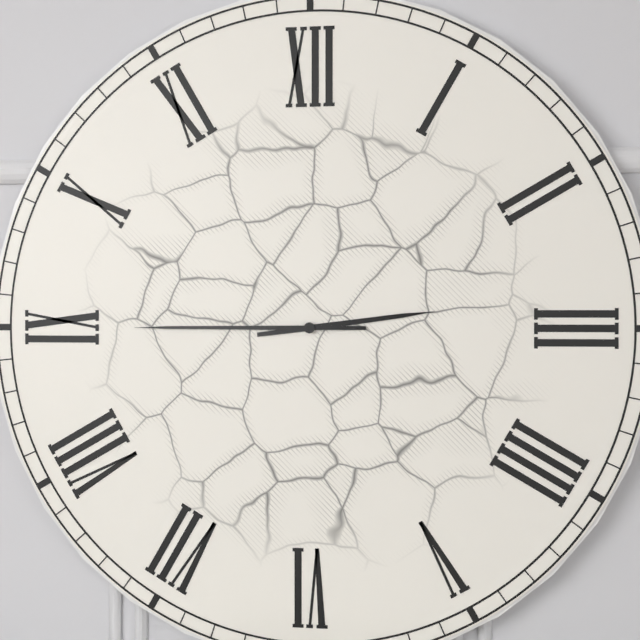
2:45
